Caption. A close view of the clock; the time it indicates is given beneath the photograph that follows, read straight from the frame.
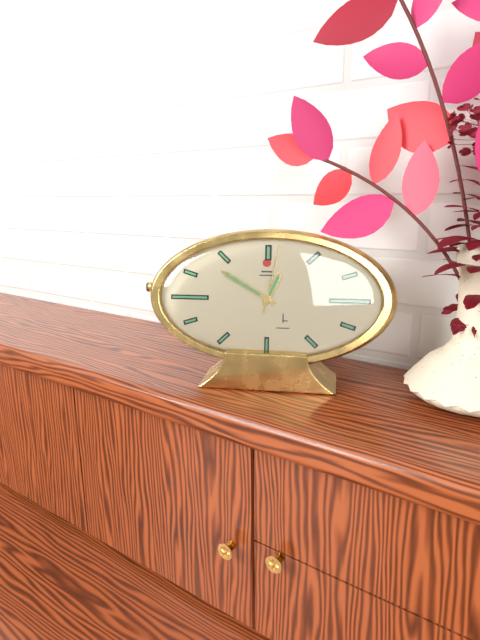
12:50:02
